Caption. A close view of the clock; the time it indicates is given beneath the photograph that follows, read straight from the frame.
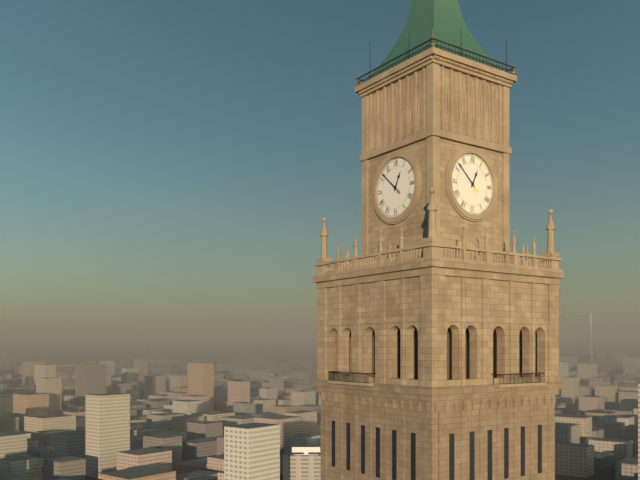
12:52
